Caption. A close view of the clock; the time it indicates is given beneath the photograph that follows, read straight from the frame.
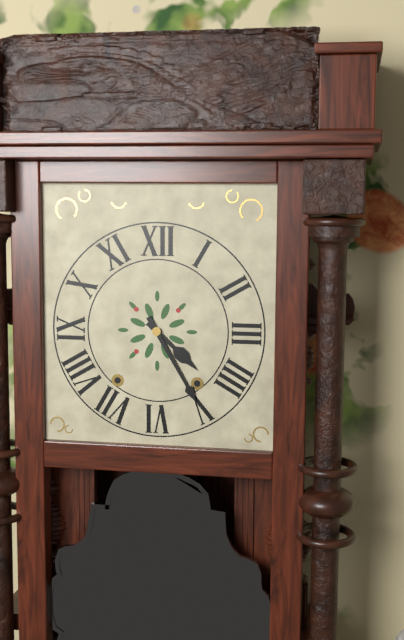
4:25
